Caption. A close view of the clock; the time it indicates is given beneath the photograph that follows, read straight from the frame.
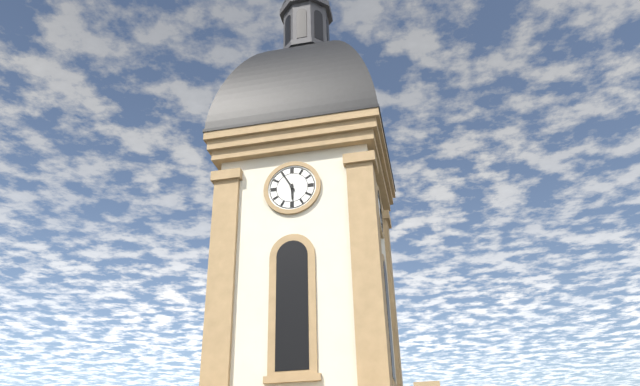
5:55
